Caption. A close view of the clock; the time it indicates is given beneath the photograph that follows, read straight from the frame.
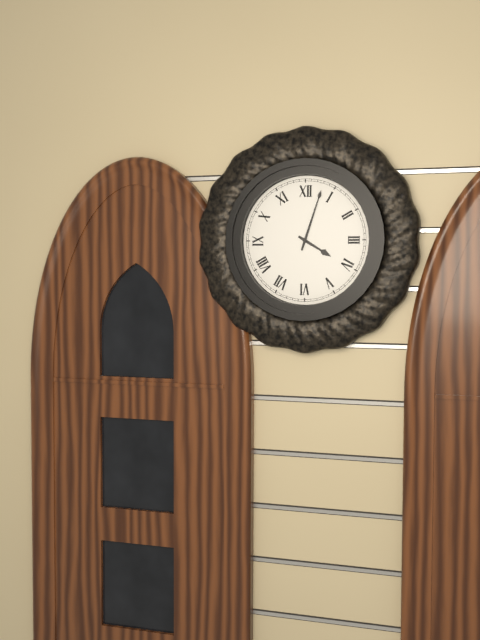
4:03
